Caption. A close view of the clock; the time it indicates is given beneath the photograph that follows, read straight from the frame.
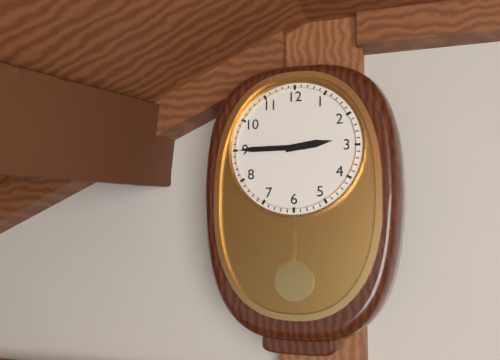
2:45
